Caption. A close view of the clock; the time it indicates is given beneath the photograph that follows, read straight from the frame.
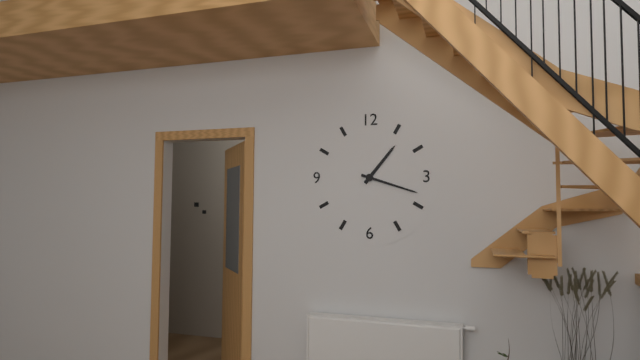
1:18
